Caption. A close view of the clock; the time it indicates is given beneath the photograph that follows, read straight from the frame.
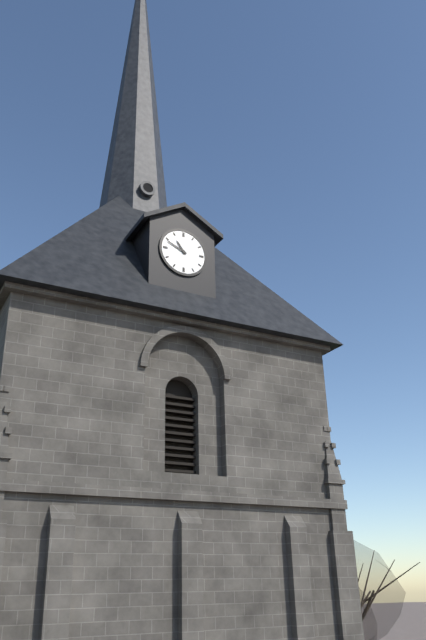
10:49
